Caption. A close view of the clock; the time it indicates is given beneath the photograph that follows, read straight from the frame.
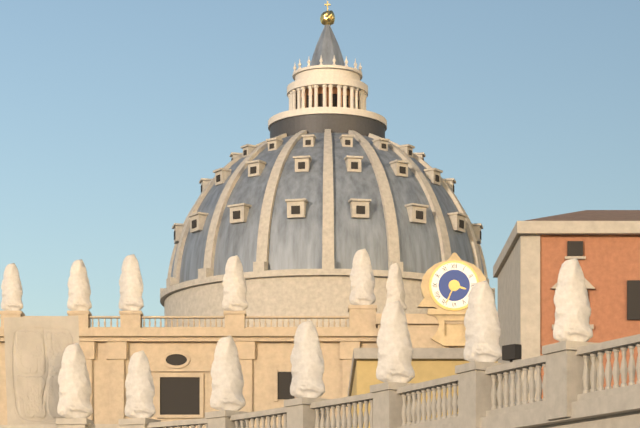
3:34
